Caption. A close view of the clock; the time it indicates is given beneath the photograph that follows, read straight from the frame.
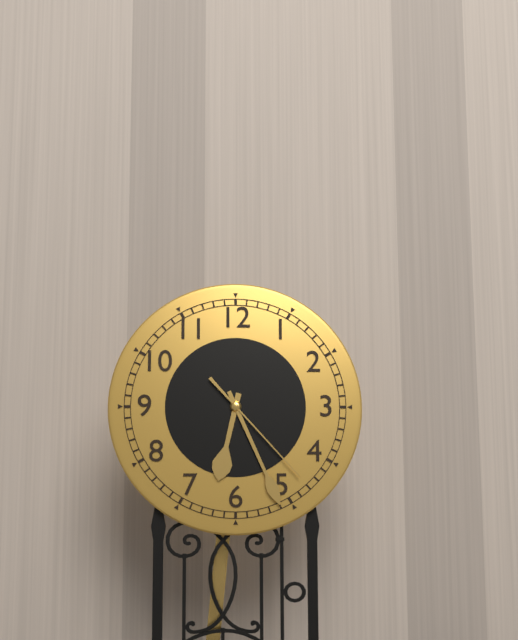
6:26:23
